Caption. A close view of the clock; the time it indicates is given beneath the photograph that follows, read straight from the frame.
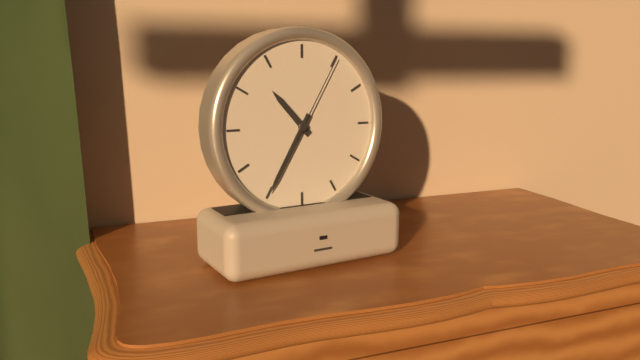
10:35:05
